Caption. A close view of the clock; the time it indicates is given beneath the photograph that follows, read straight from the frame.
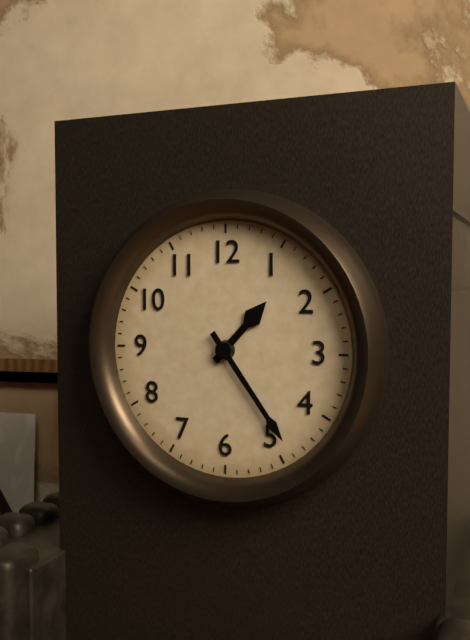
1:24
